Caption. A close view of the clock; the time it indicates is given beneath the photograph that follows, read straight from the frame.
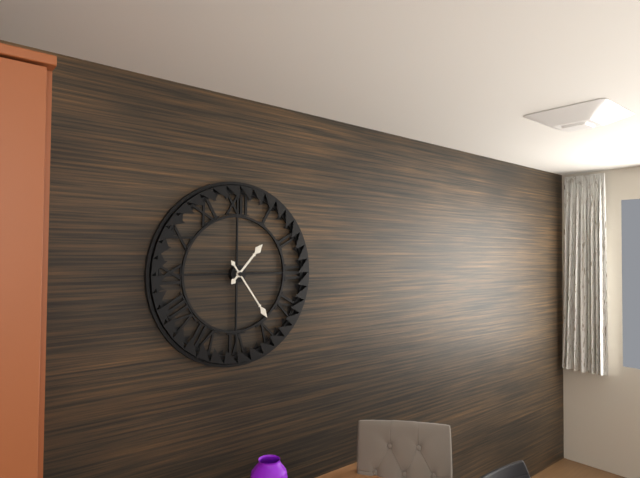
1:24
